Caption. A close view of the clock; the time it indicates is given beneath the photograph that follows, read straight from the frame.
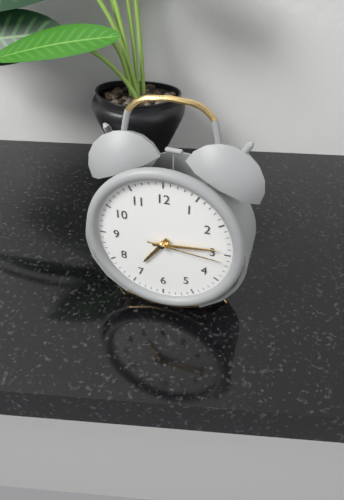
7:14:16
